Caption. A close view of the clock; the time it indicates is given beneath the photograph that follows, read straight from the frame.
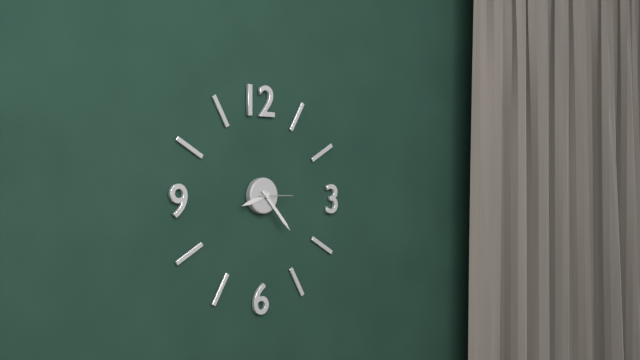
8:23
